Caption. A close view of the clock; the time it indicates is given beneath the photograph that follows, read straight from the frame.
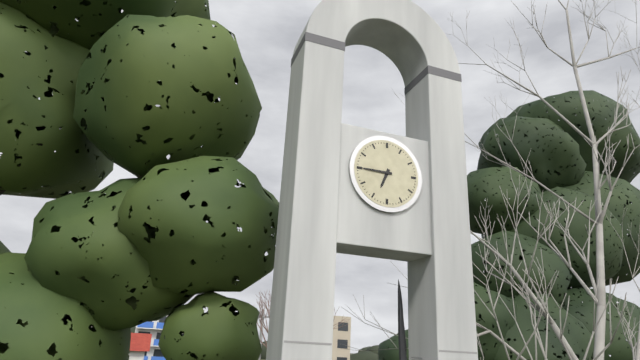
6:45
